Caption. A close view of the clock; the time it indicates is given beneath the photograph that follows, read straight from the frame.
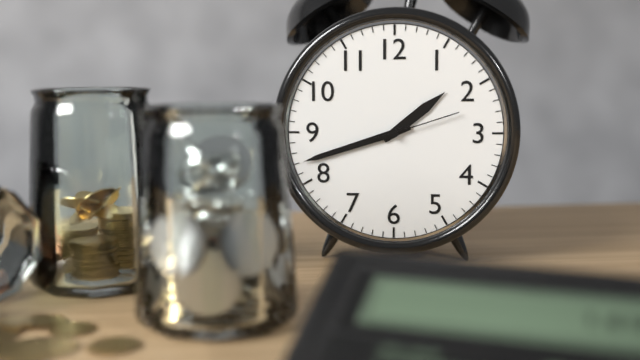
1:42:12
